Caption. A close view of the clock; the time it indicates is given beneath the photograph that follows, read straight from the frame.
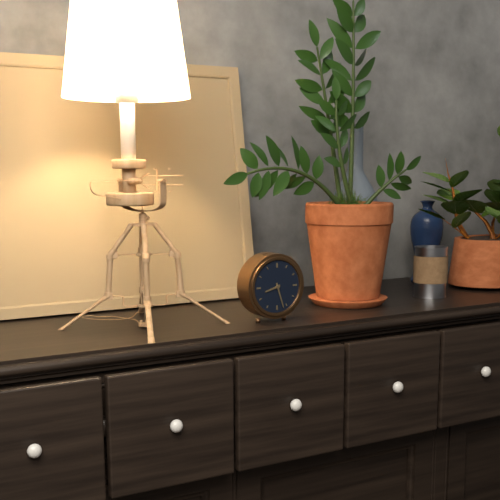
8:27
